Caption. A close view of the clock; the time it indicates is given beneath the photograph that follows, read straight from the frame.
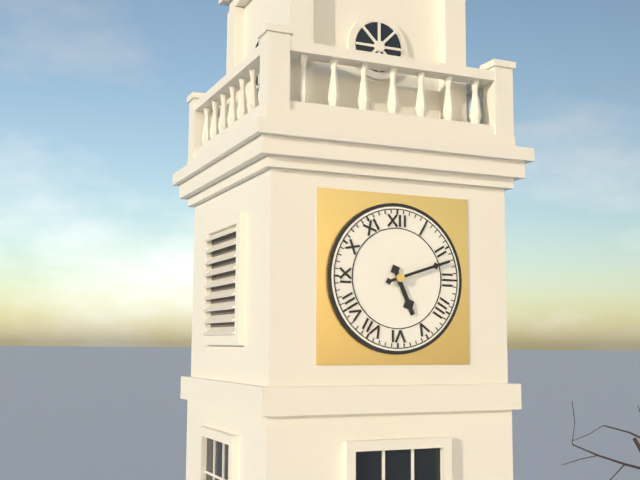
5:12
